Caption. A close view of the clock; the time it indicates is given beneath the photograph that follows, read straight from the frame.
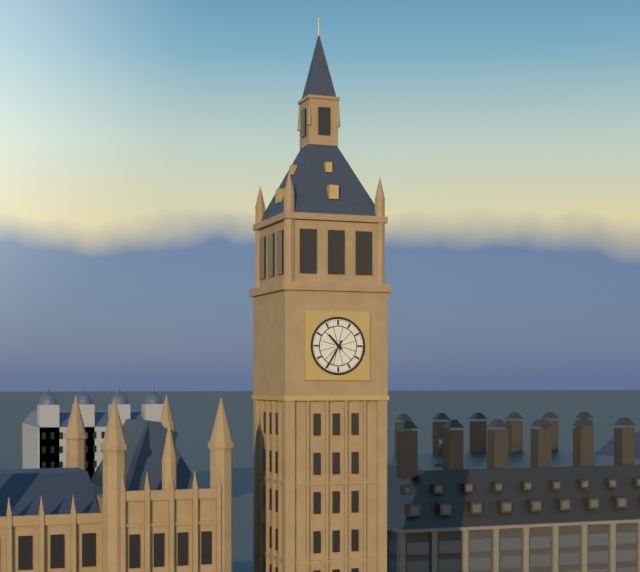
10:35
